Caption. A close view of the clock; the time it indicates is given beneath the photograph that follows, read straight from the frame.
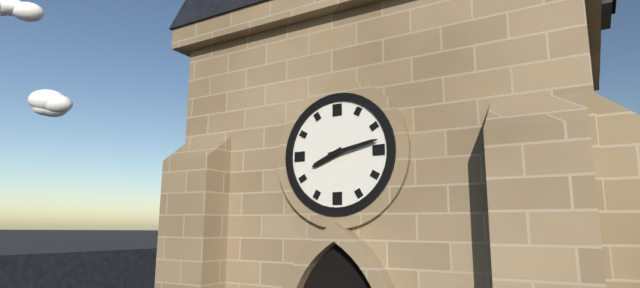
8:13
